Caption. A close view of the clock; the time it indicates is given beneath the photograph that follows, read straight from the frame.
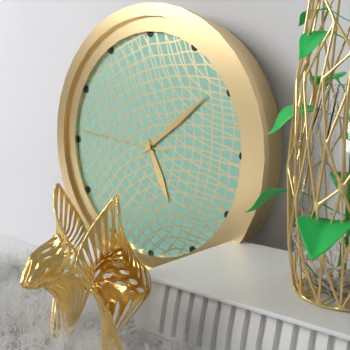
5:09:46
